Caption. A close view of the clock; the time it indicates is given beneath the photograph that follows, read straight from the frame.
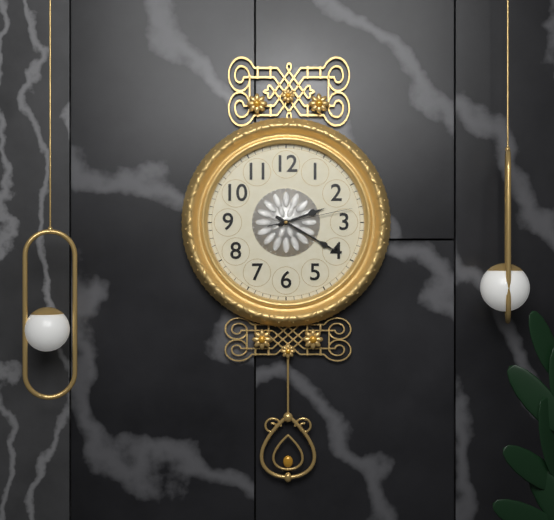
2:20:13
